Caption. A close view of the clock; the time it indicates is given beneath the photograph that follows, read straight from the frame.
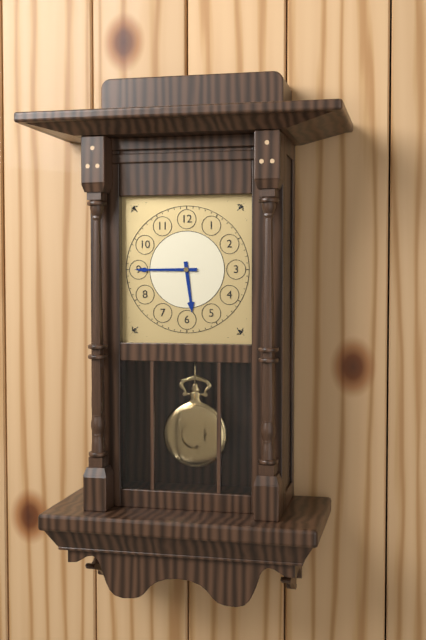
5:45
